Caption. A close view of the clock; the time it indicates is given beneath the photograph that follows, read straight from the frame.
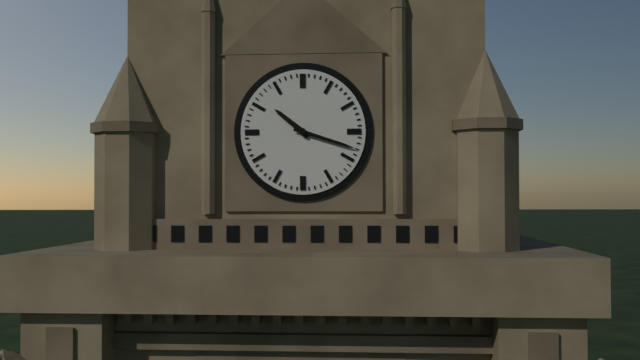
10:18
